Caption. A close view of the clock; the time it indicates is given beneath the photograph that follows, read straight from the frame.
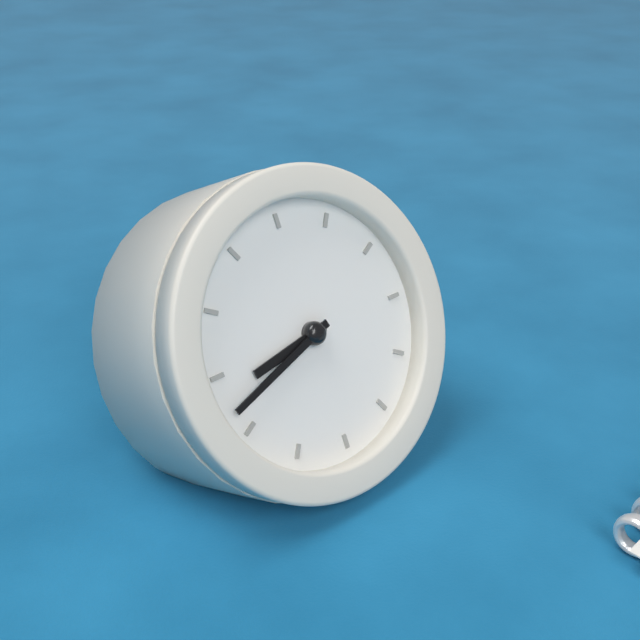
8:42
